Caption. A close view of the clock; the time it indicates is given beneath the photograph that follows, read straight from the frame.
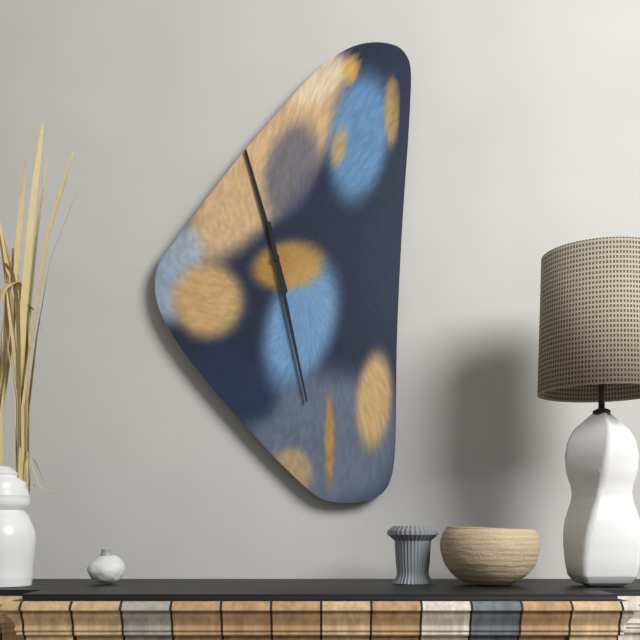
11:28
